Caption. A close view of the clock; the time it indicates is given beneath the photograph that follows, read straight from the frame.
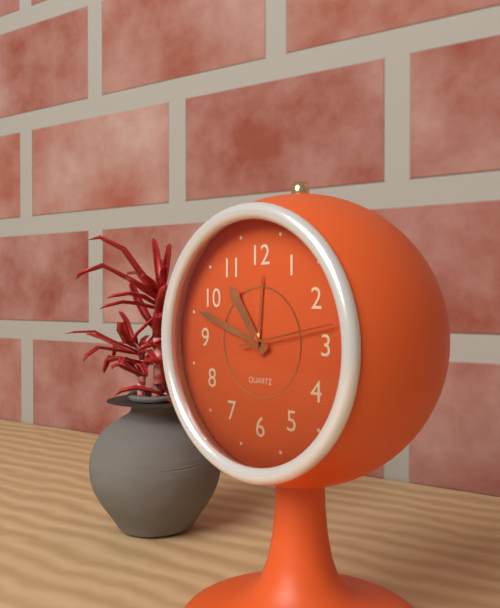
10:48:13
